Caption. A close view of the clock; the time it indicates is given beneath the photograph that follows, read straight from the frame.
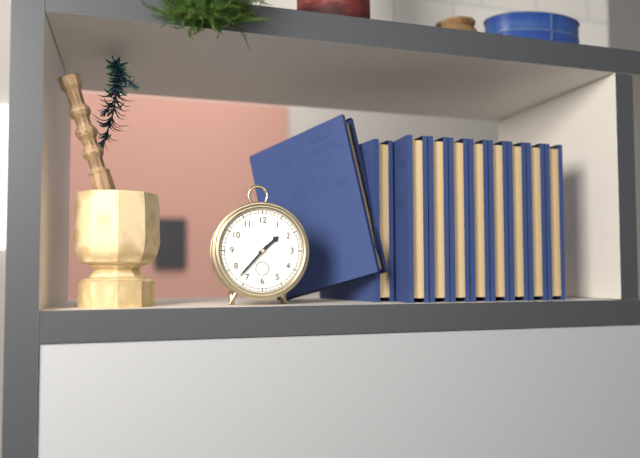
1:37
